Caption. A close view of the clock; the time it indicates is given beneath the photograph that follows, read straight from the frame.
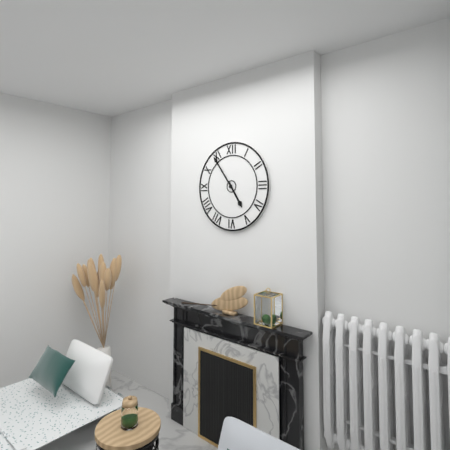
4:54
